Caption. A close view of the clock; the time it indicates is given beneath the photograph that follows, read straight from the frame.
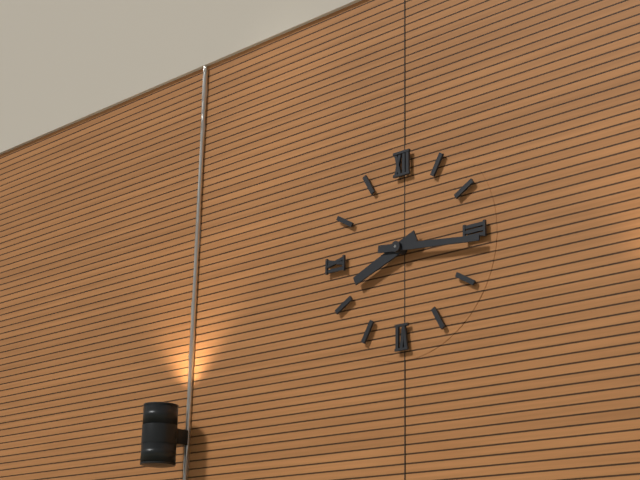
8:16
